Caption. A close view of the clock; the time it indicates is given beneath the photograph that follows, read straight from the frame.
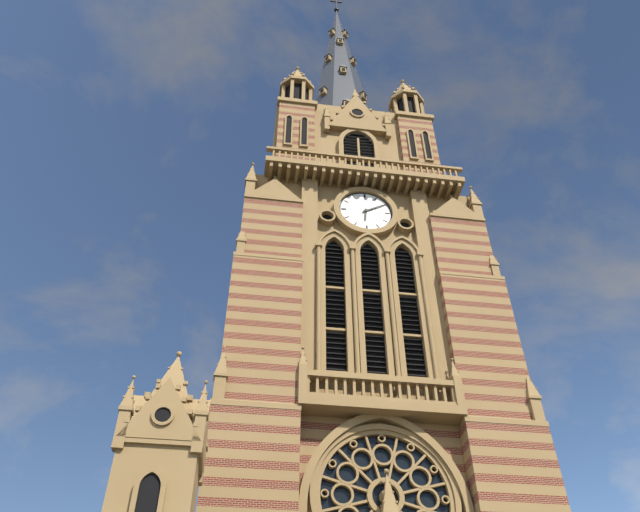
6:10
